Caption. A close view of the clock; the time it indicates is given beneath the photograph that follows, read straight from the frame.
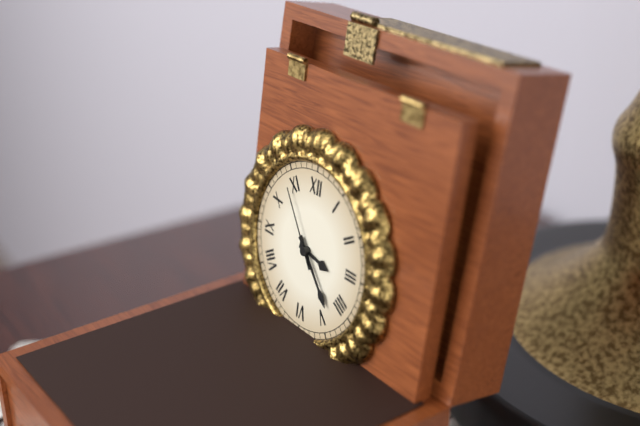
3:23:54
